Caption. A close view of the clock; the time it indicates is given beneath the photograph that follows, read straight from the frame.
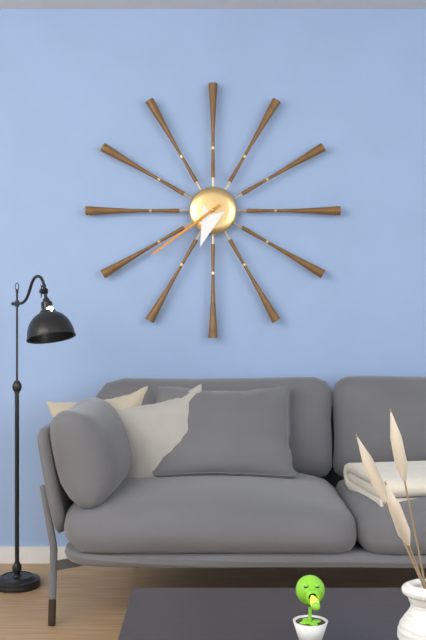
6:39
